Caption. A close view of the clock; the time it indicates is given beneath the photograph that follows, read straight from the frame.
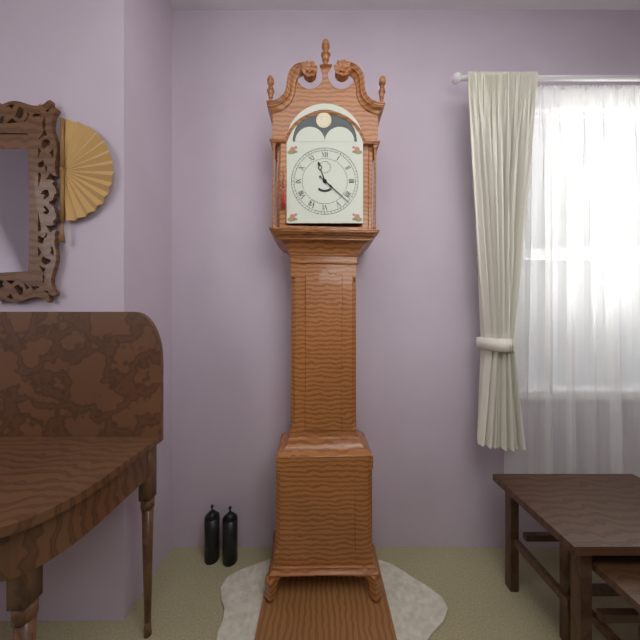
11:22
